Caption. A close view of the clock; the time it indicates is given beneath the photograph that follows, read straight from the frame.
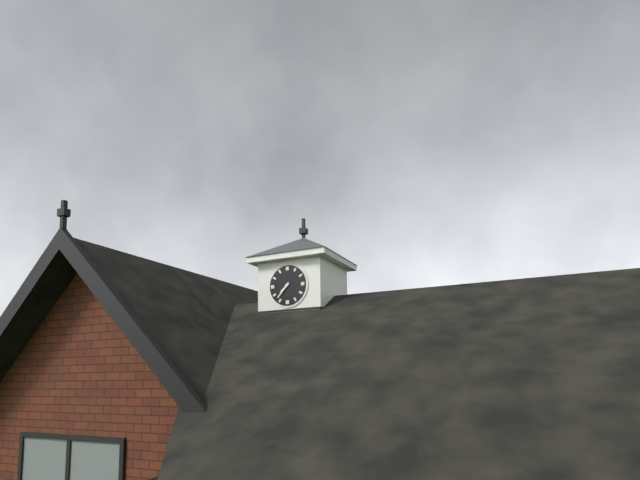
7:37
